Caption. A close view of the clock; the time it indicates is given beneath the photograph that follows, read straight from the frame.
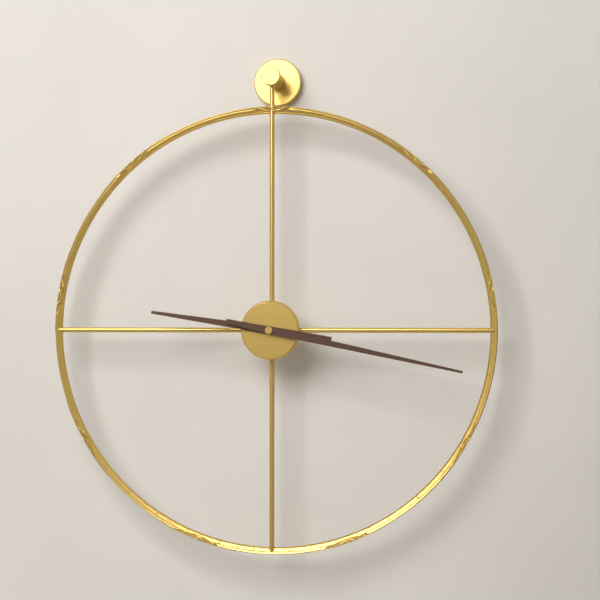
9:17
